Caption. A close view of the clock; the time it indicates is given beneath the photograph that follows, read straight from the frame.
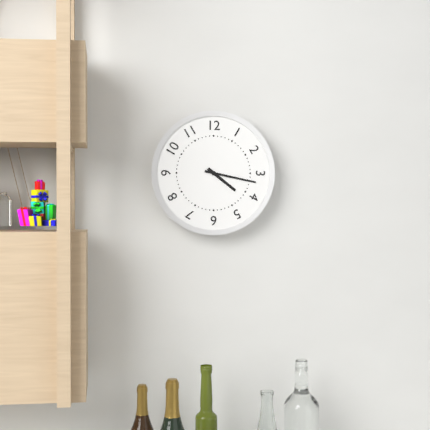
4:17
